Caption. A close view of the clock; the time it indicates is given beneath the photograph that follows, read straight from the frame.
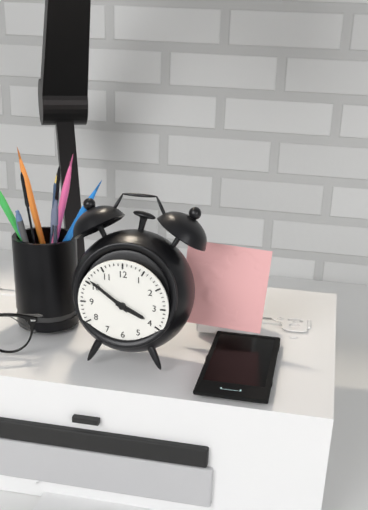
3:51
